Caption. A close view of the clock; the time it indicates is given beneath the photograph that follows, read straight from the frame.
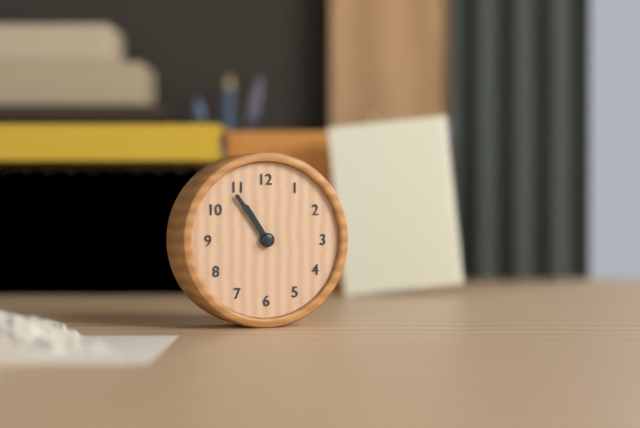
10:54
